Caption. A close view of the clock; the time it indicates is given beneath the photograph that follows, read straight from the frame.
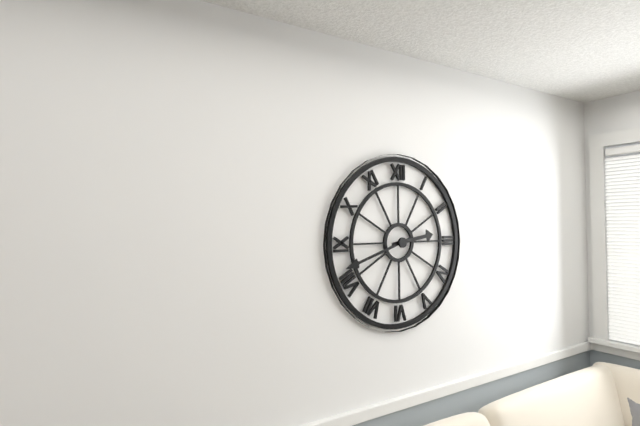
2:42
